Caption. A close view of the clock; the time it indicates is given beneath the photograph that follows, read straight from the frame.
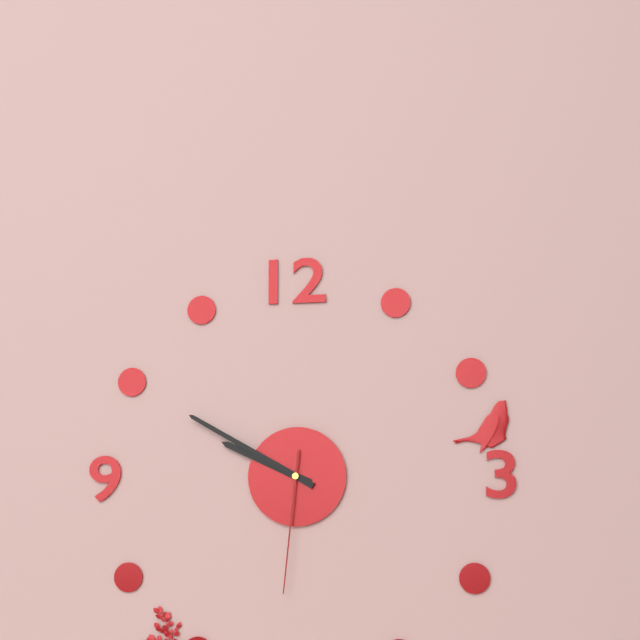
9:50:31
